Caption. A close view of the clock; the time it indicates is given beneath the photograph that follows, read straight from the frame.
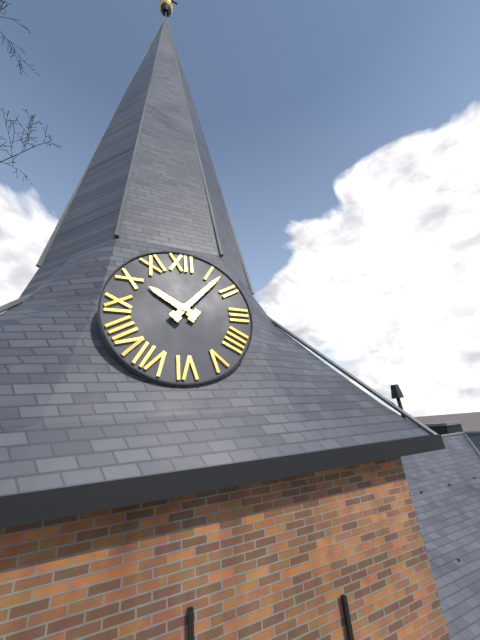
10:07
